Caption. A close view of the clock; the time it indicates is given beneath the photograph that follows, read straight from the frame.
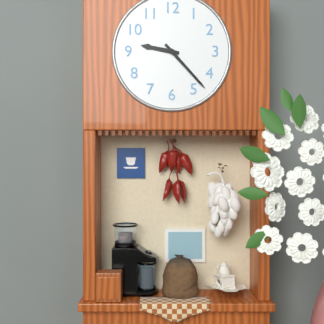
9:23
